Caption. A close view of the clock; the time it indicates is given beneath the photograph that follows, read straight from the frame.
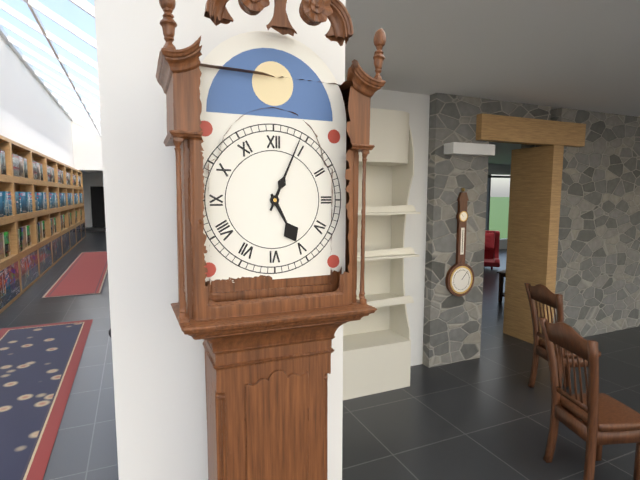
5:04
